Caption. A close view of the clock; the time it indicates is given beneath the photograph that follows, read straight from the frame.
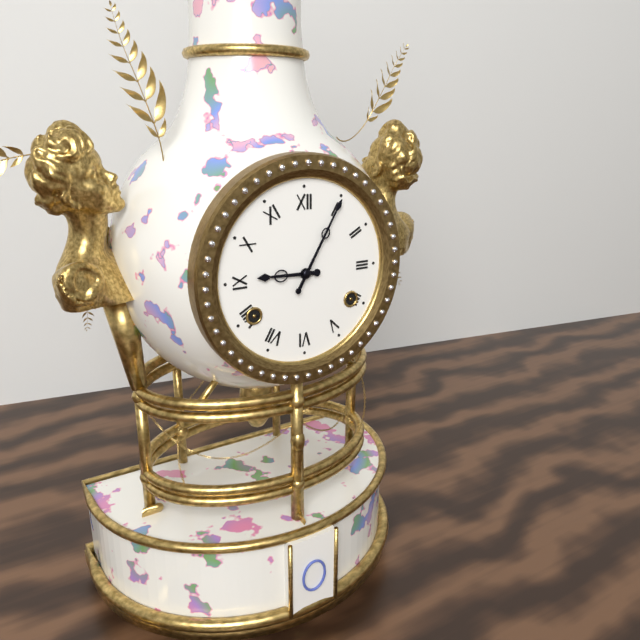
9:05
